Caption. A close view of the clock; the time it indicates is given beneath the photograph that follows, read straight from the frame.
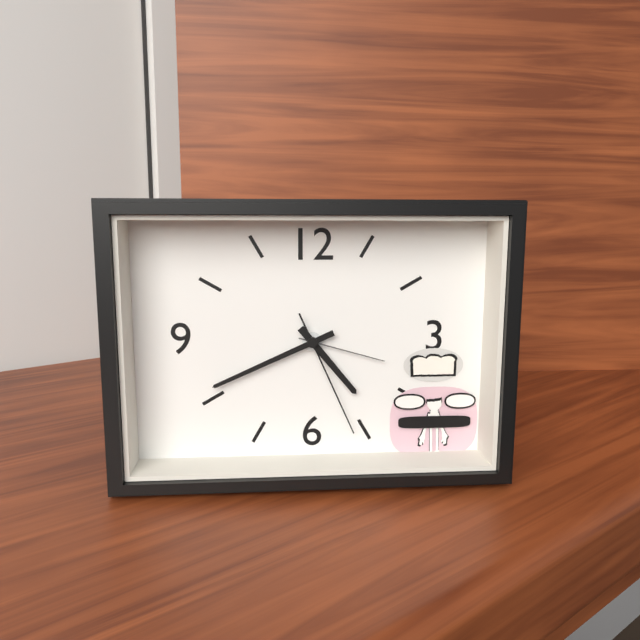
4:41:26
